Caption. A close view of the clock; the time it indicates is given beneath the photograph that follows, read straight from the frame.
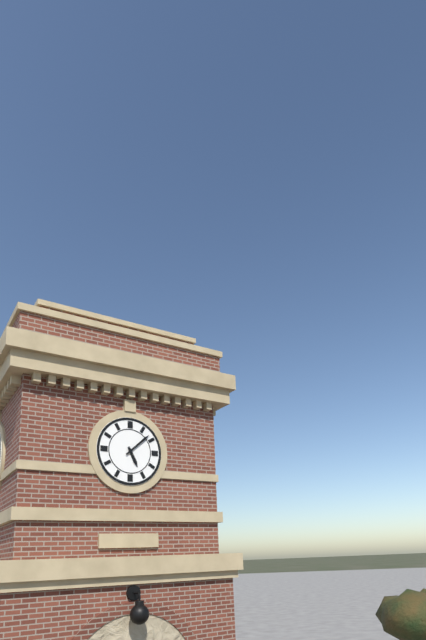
5:08
